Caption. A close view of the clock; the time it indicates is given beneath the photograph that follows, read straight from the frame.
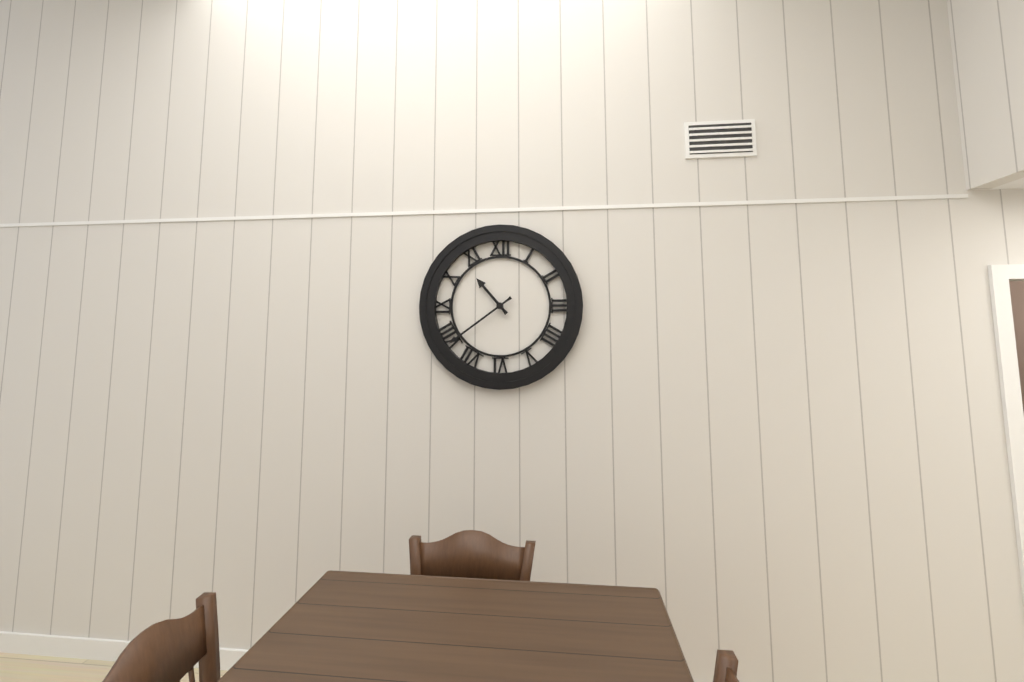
10:39
